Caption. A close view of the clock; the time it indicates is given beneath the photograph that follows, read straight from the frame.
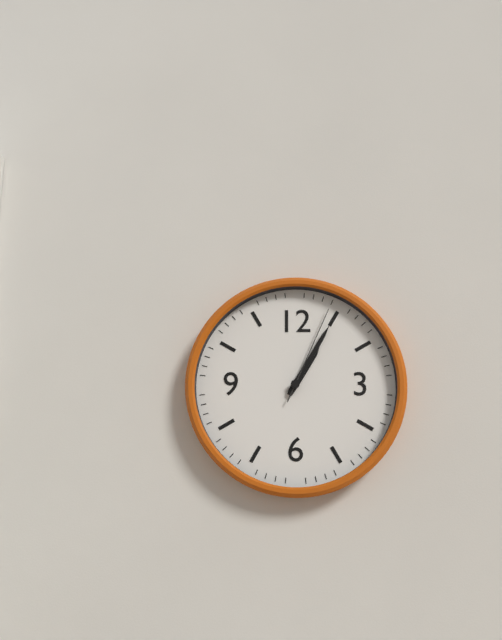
1:05:04
